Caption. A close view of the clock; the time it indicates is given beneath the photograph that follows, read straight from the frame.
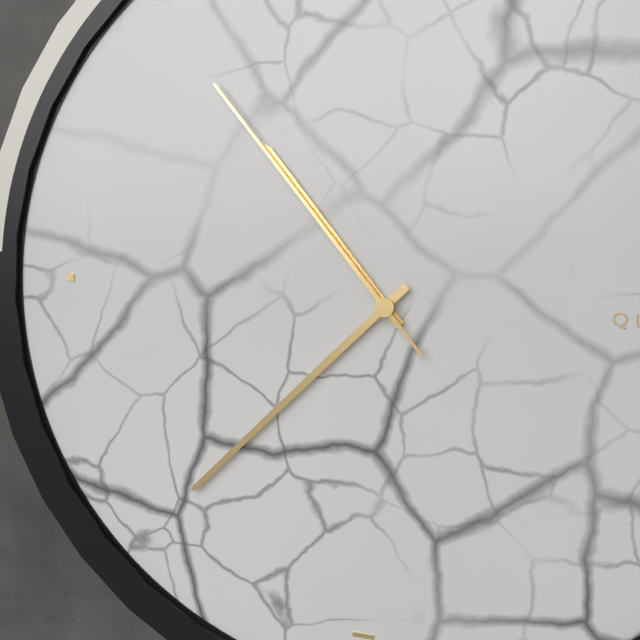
10:37:53
